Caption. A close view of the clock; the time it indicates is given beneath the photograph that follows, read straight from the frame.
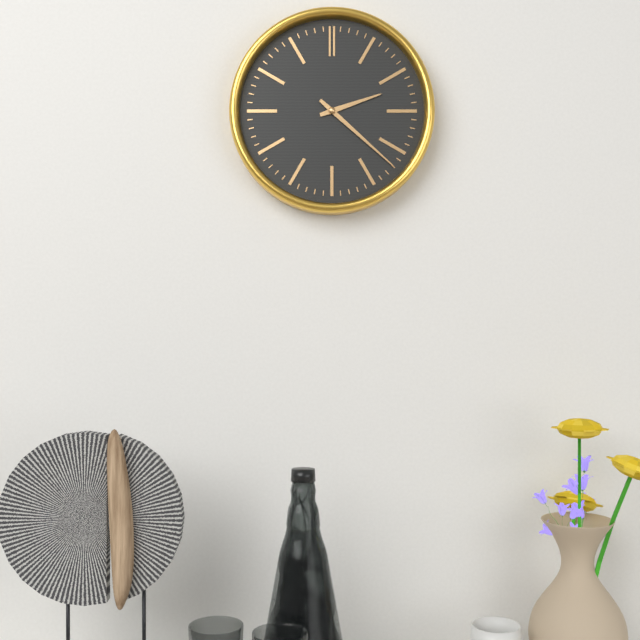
2:22
